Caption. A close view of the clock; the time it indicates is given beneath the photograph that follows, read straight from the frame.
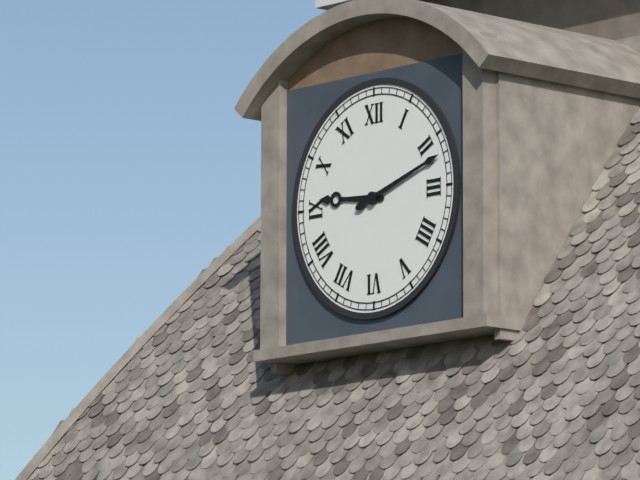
9:12
